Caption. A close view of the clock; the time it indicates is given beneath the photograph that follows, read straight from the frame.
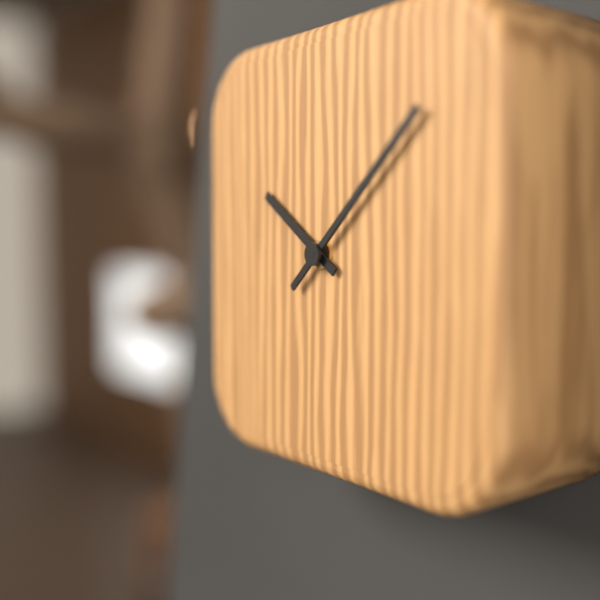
10:08
